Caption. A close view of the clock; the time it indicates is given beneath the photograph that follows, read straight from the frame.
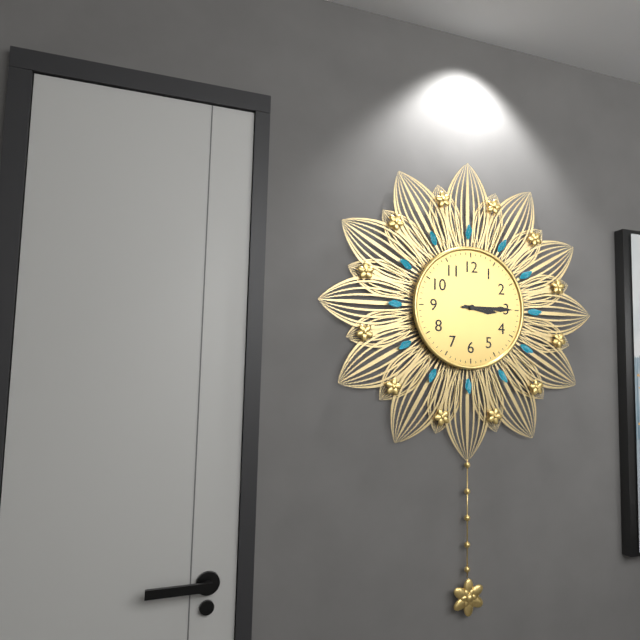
3:15
